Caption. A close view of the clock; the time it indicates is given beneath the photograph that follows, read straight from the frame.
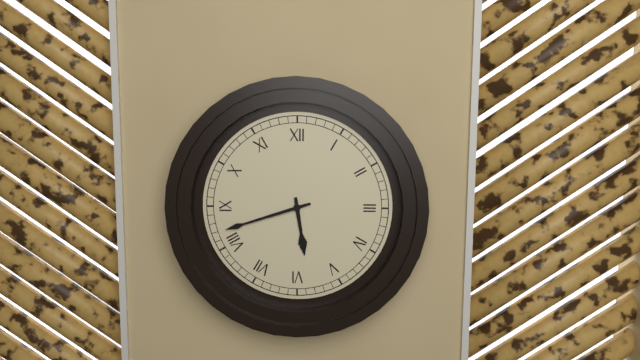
5:42
